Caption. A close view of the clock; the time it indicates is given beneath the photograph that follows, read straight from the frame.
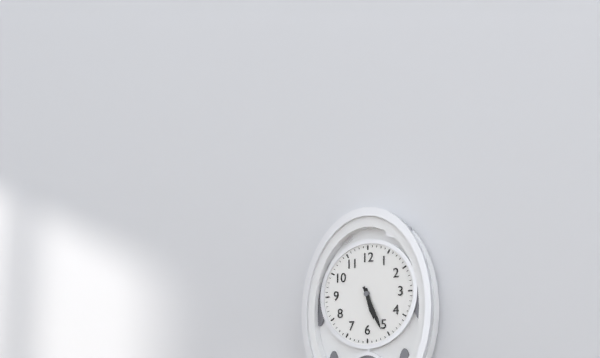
5:26
